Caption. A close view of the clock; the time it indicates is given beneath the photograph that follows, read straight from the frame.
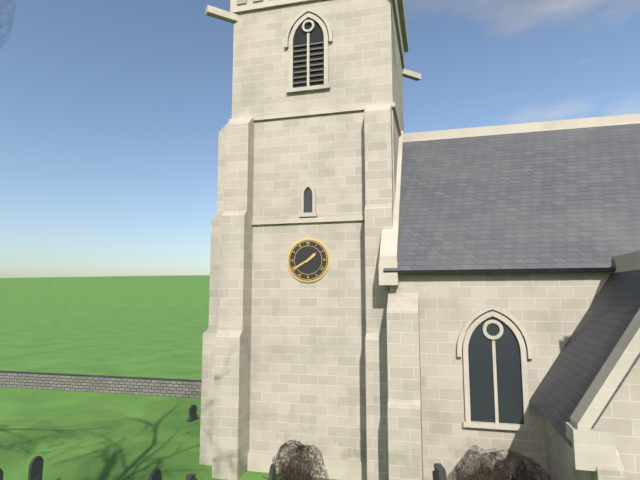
1:40
